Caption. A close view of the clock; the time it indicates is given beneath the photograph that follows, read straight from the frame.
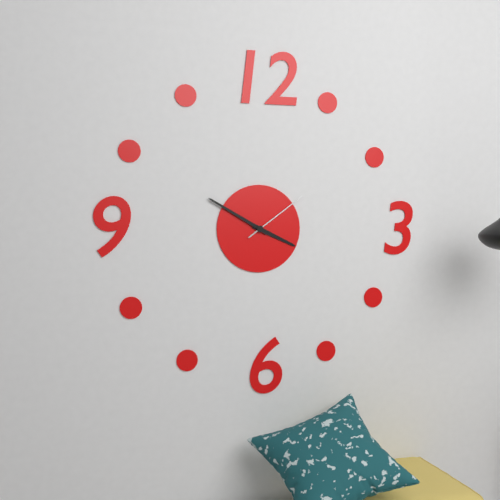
3:50:09
